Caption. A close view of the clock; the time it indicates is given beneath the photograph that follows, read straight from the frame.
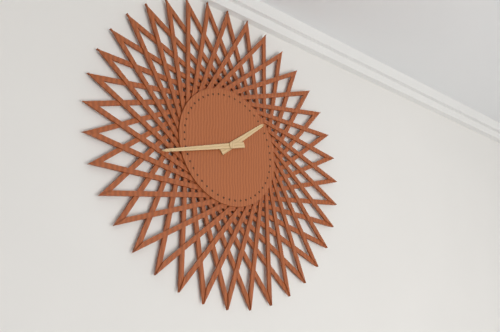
1:42
